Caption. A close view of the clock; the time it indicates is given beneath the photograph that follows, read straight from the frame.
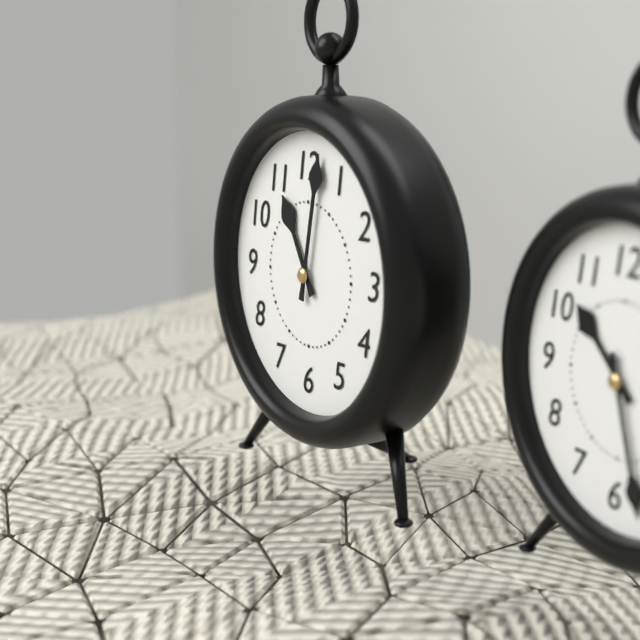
11:02
